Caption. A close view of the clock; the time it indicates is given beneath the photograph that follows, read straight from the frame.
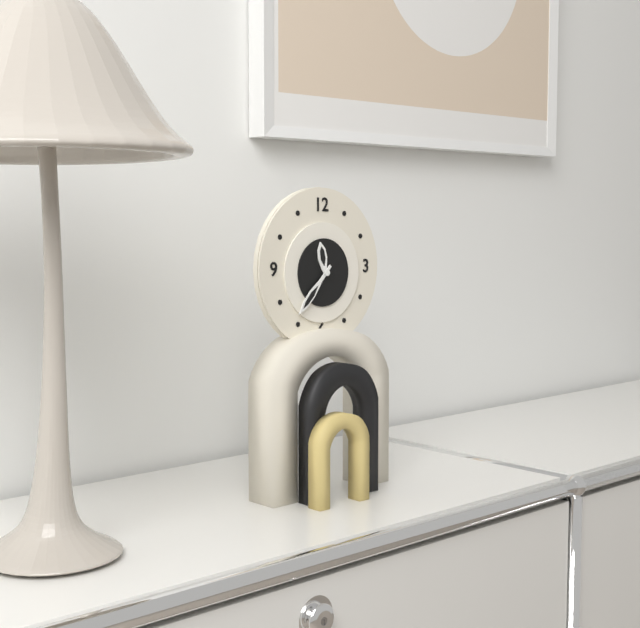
11:37
